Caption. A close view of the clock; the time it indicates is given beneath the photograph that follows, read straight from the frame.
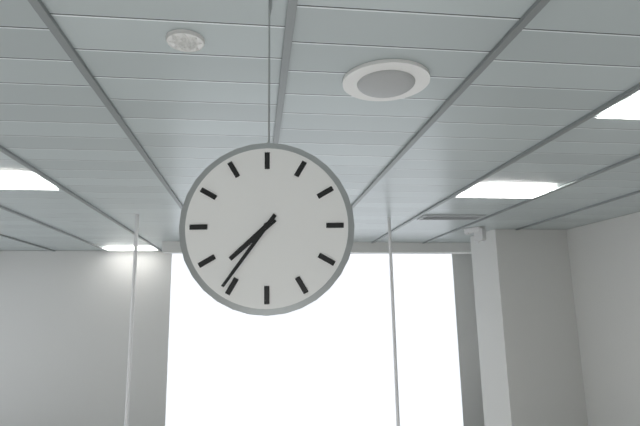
7:36
